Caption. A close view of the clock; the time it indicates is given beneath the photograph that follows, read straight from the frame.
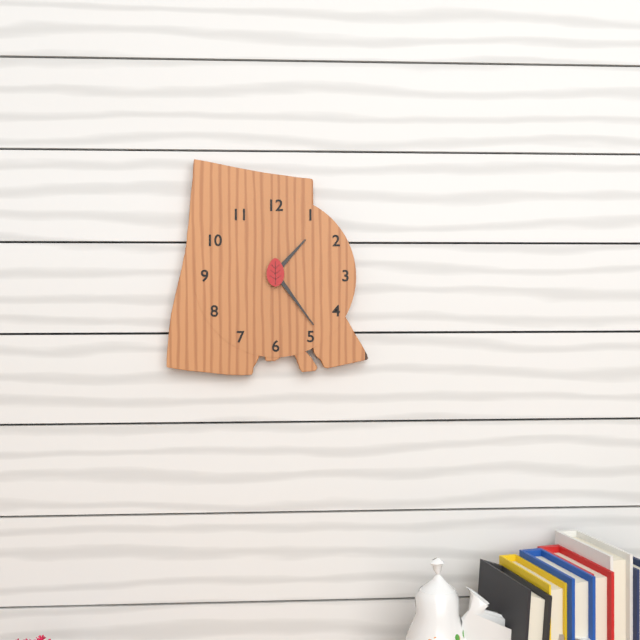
1:24
